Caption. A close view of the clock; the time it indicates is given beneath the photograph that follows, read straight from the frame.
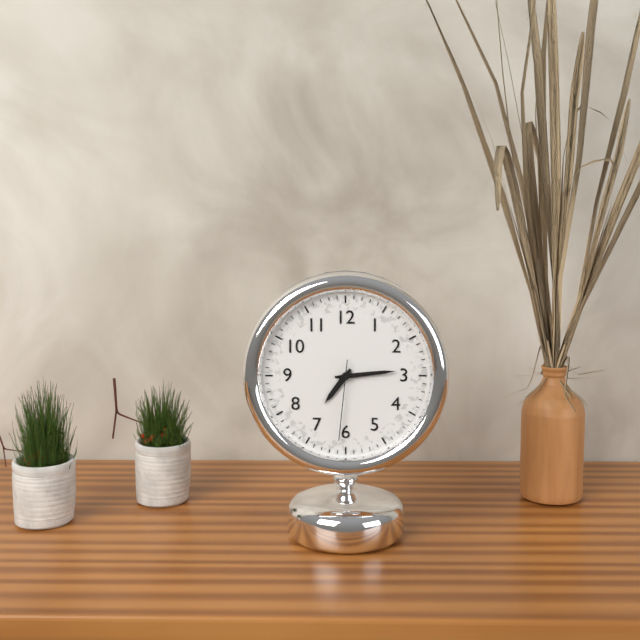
7:14:31
